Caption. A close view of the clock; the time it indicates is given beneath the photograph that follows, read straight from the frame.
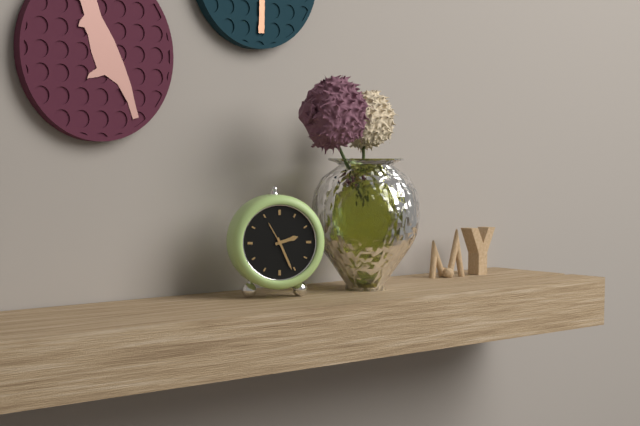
2:26
